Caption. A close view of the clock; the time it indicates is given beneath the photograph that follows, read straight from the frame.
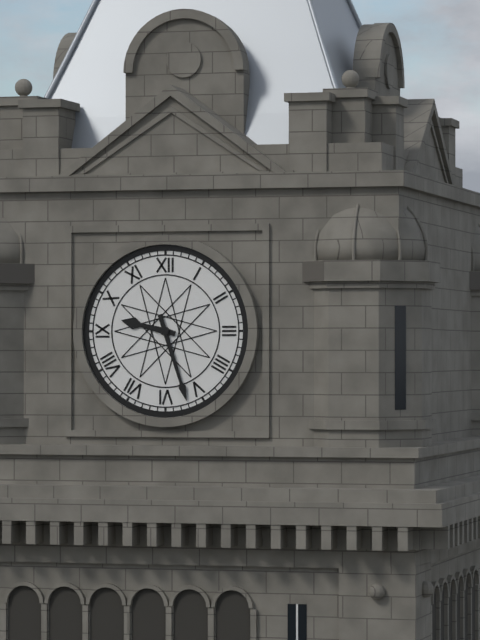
9:27
